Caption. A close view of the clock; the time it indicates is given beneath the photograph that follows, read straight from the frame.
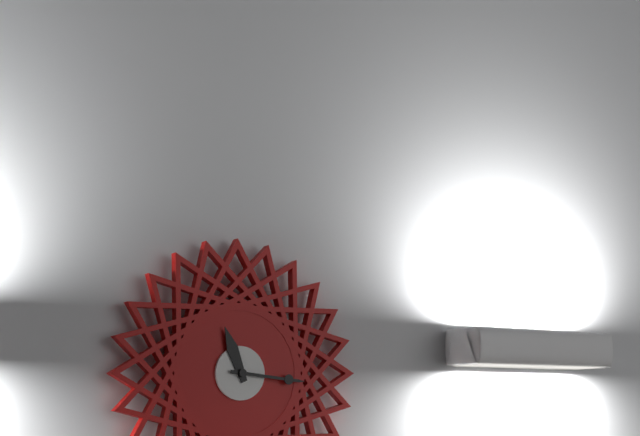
11:16
